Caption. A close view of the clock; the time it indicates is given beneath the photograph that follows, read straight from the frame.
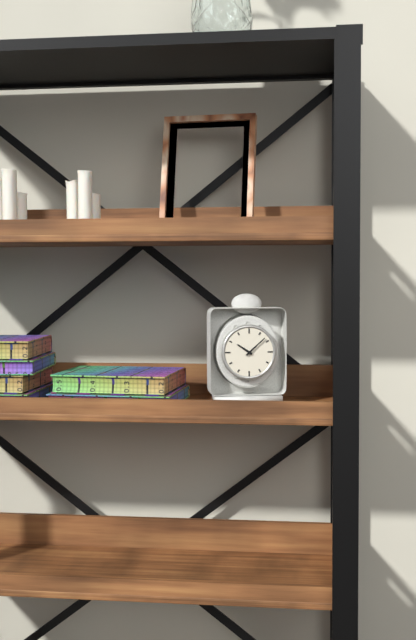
10:08
